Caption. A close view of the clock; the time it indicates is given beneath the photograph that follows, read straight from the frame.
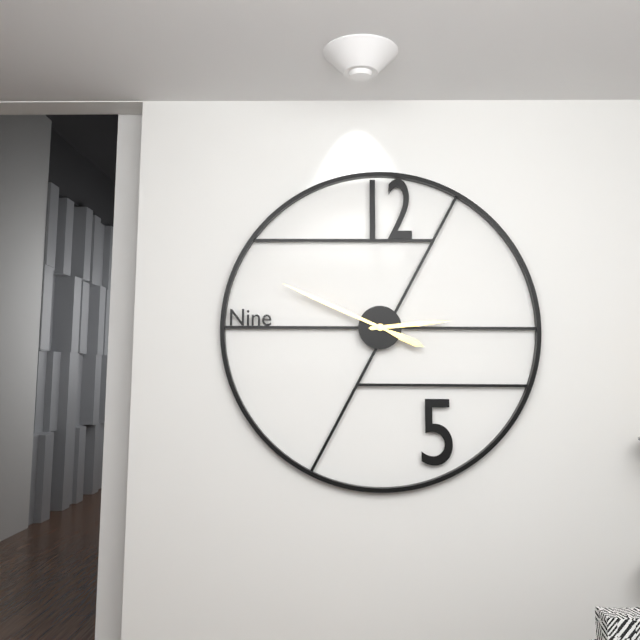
2:49
